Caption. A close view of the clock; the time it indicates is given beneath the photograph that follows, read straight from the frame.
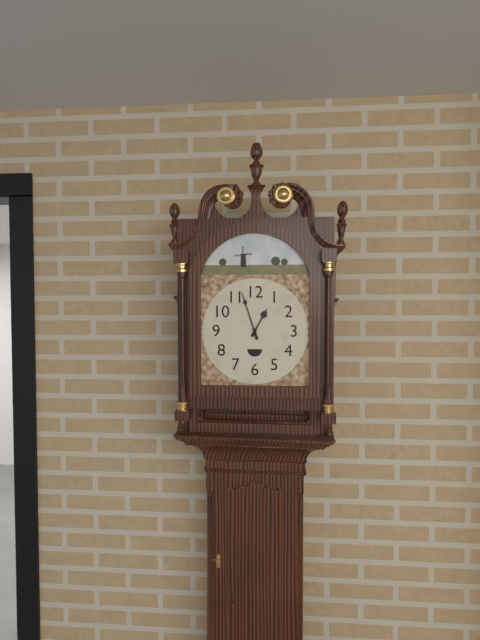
12:57
